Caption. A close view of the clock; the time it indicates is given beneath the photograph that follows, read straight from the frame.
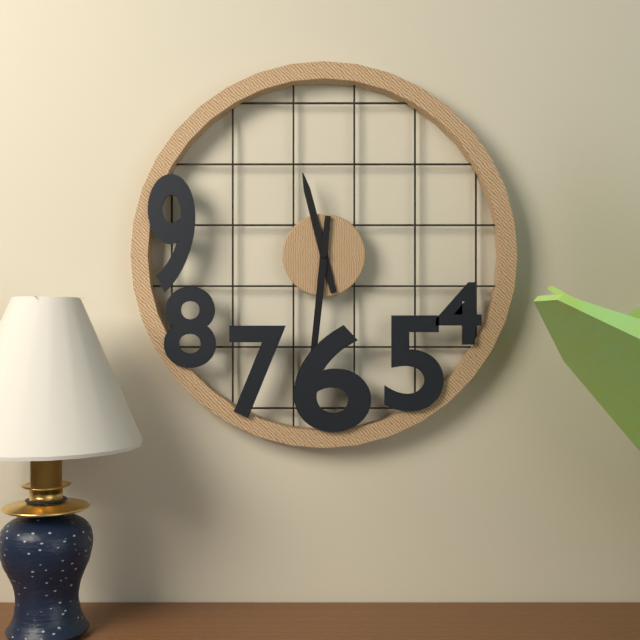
11:31
